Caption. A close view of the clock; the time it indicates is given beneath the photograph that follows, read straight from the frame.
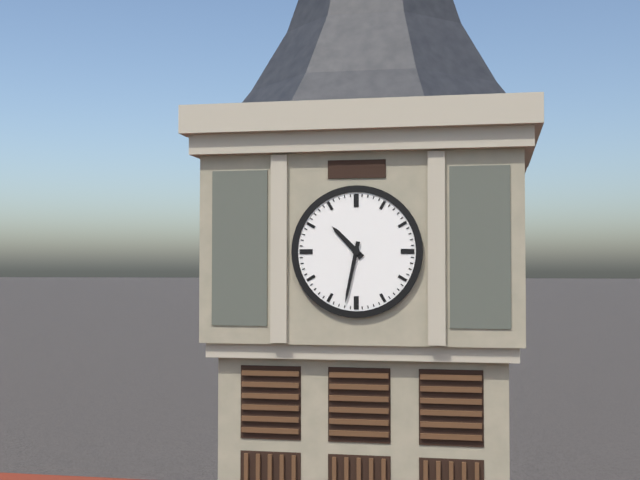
10:32
